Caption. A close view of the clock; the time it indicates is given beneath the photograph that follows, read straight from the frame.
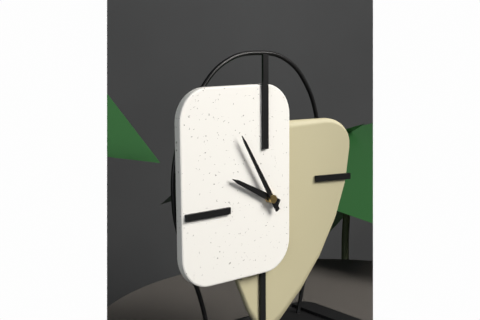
9:55
